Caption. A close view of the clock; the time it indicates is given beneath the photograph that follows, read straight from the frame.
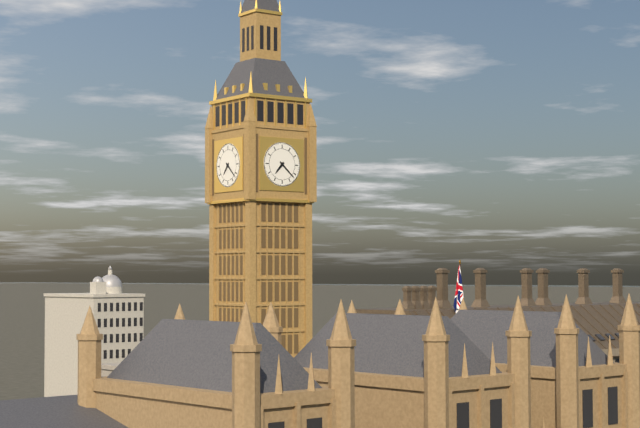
7:22
